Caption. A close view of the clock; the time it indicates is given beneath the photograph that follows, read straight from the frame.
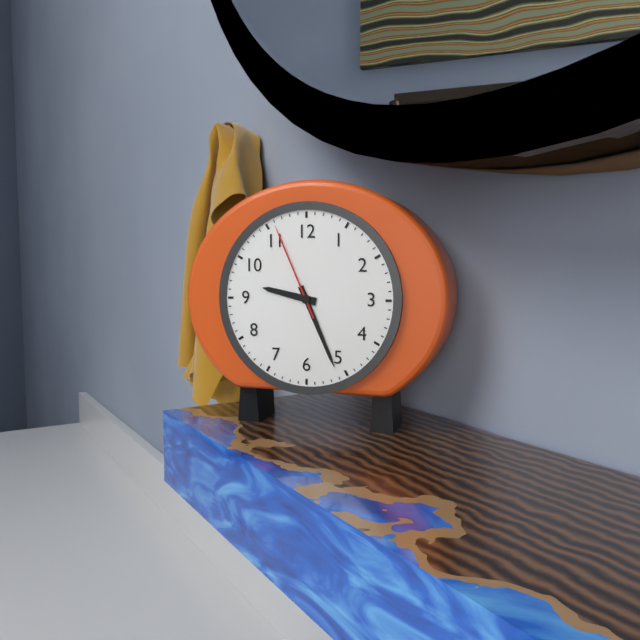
9:26:56
